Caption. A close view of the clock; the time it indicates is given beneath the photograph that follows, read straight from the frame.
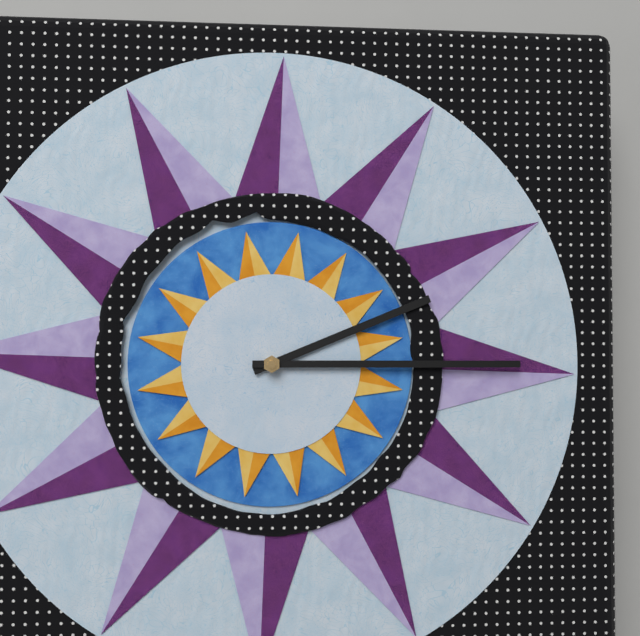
2:15
